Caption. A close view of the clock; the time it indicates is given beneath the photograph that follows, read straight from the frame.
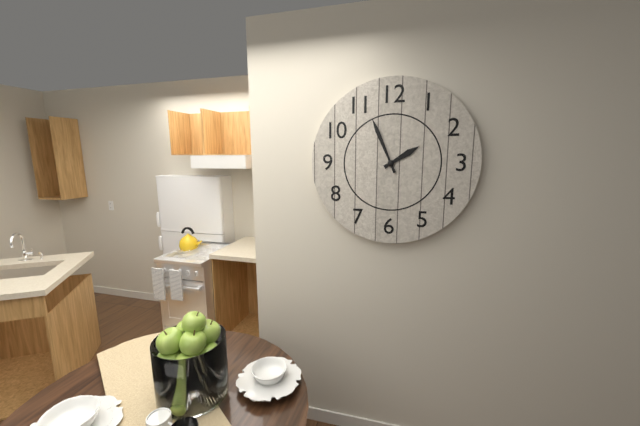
1:56
